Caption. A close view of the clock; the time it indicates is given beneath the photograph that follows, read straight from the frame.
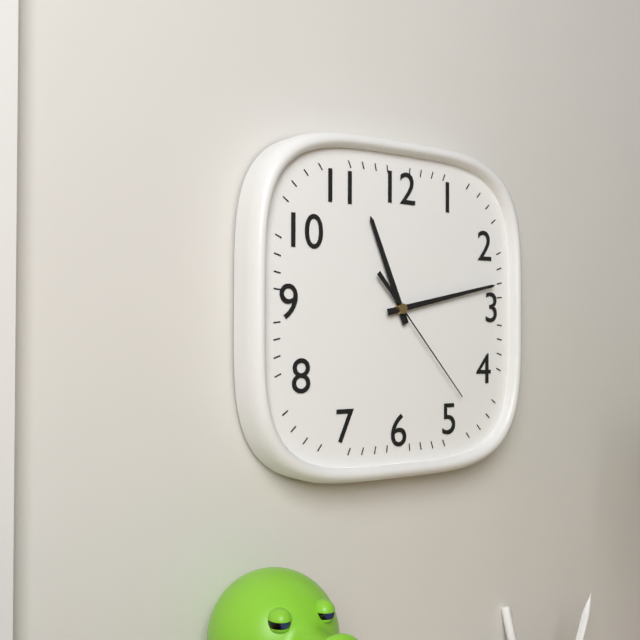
11:13:23
